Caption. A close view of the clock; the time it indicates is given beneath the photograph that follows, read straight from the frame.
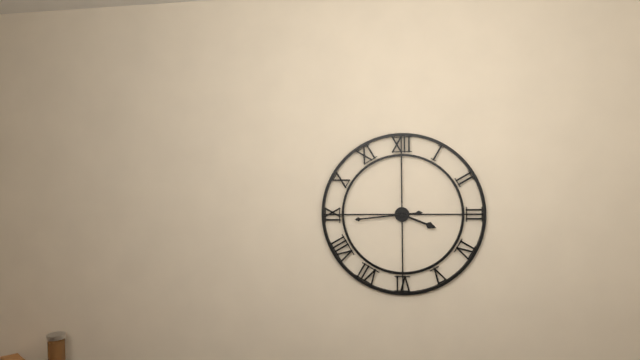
3:44
